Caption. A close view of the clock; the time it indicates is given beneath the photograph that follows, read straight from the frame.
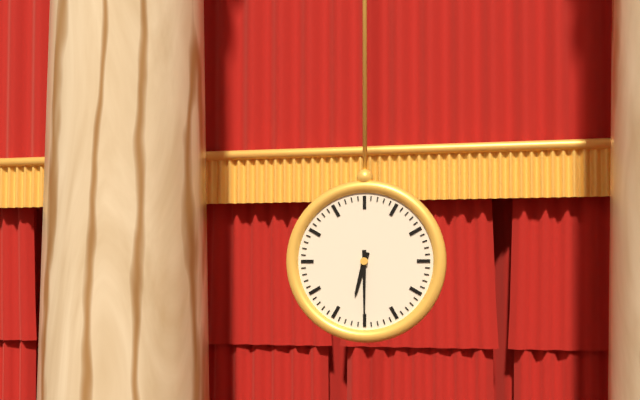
6:30
